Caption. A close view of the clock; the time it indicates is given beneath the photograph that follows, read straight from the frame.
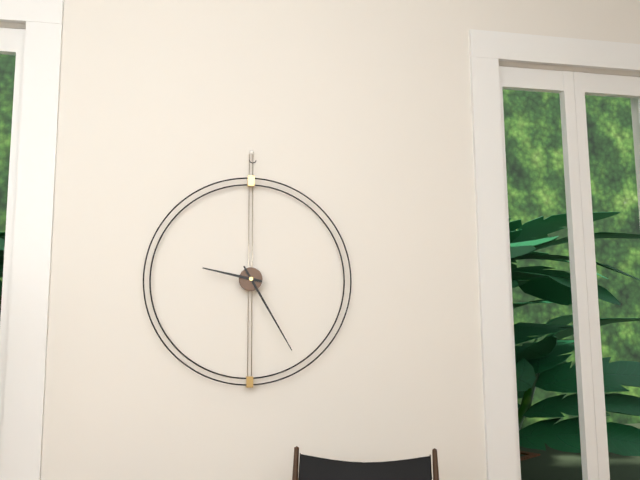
9:25
